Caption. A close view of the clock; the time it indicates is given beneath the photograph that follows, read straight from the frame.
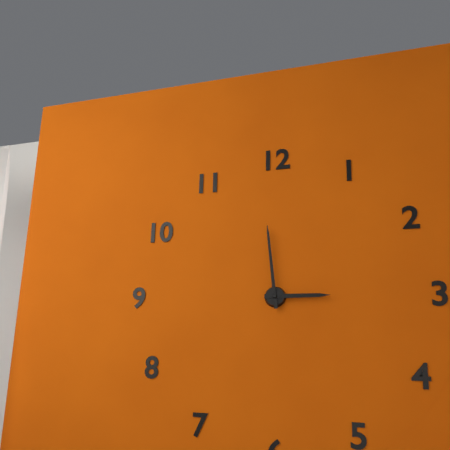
2:59
